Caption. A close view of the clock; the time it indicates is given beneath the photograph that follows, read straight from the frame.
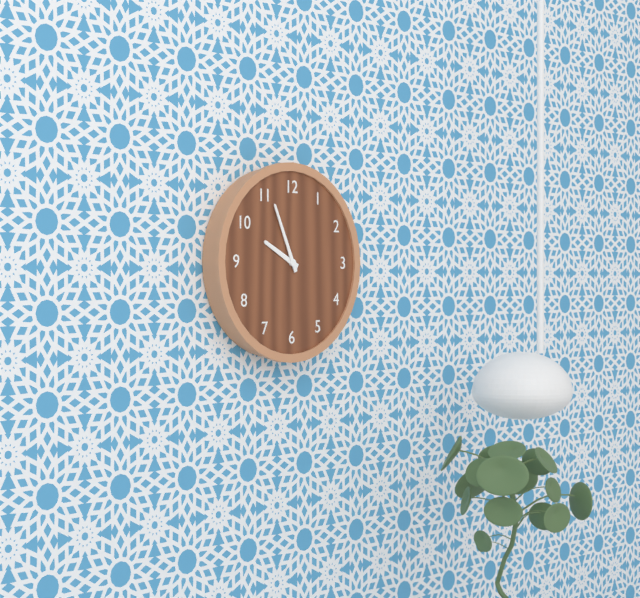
9:56
